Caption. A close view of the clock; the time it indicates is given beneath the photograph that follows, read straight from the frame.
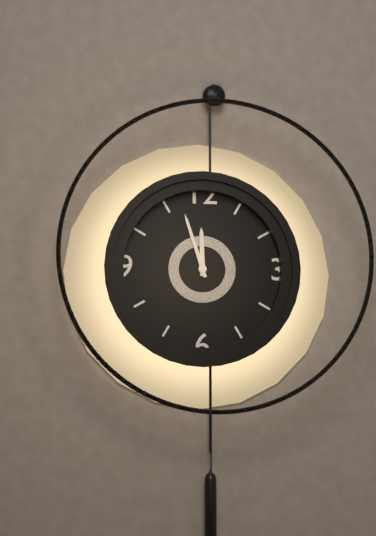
11:57
